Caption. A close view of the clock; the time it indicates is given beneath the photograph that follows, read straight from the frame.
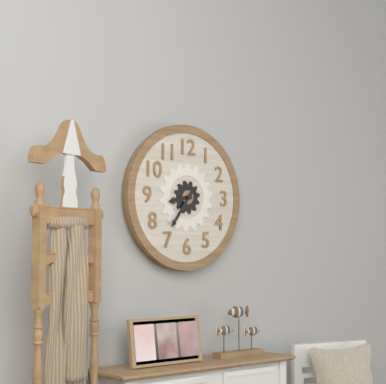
8:36
